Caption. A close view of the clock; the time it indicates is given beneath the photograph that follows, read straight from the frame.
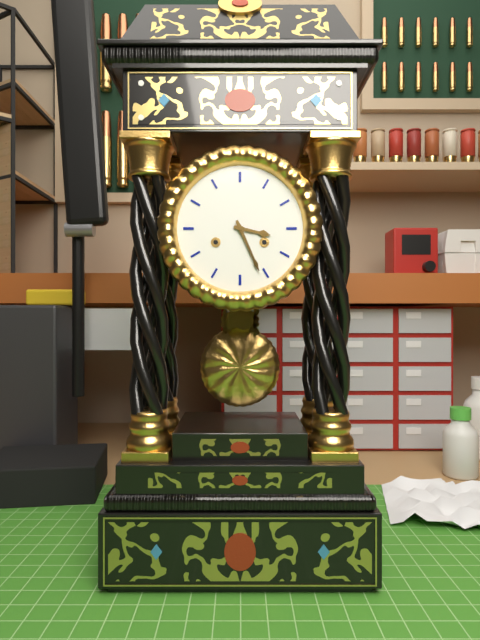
3:26
